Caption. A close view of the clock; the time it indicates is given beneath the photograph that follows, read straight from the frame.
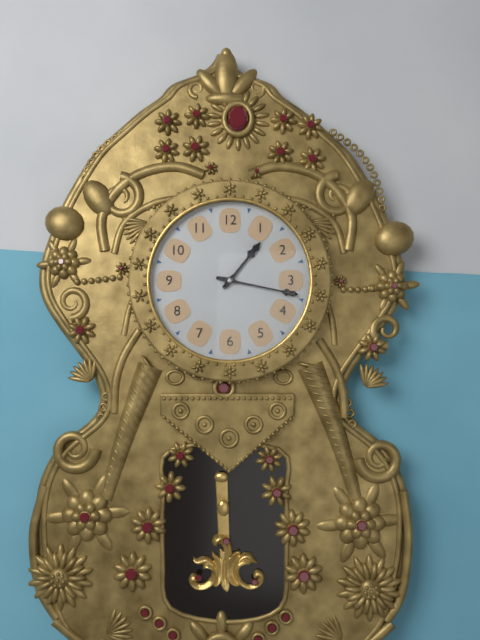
1:17
